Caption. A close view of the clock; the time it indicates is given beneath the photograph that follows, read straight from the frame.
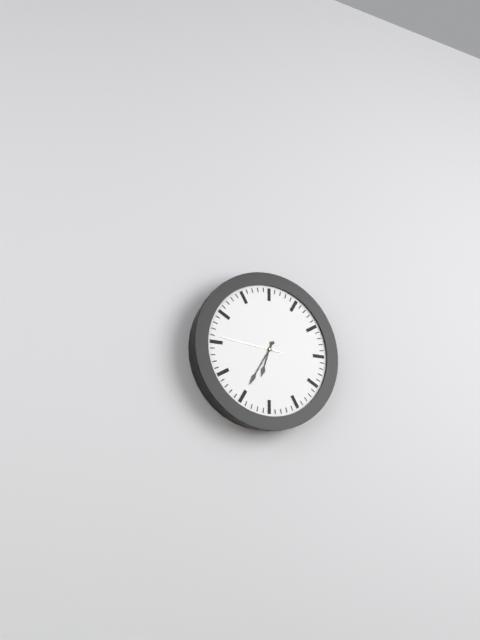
6:35:46
